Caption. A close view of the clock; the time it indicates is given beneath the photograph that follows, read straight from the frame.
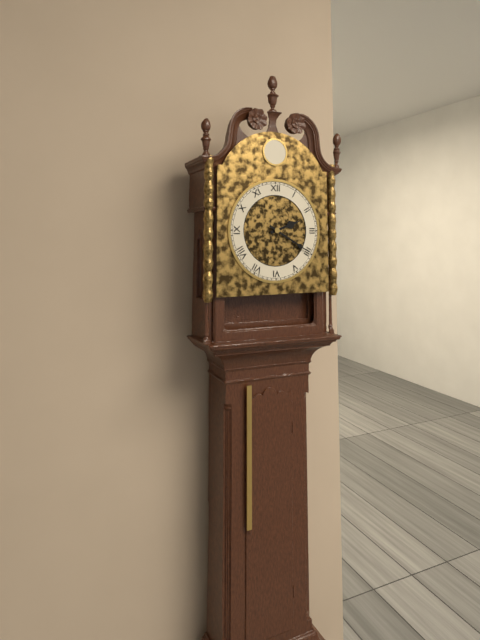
2:20
